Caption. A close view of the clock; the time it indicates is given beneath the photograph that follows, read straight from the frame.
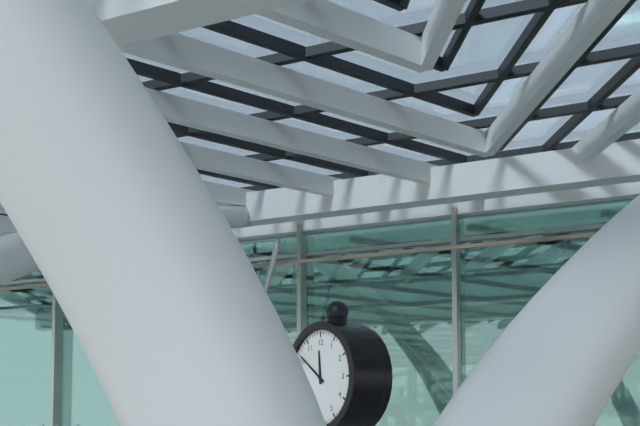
11:51
